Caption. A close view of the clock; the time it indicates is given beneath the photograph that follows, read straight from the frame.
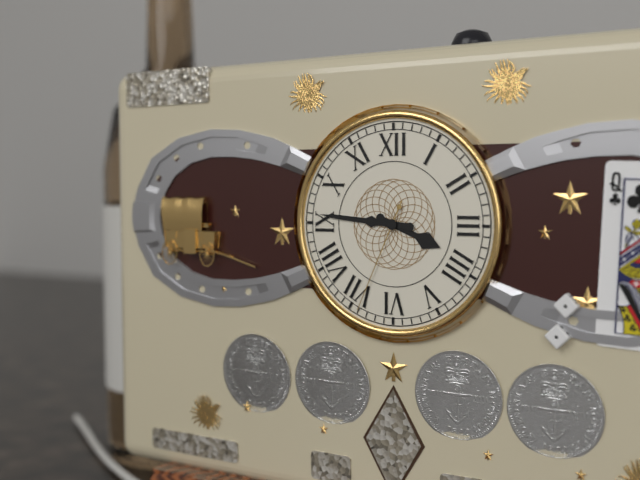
3:46:34
